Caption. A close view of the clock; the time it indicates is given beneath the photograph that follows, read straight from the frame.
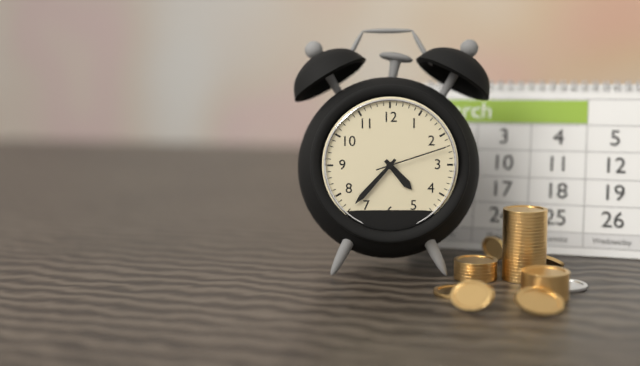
4:37:12
